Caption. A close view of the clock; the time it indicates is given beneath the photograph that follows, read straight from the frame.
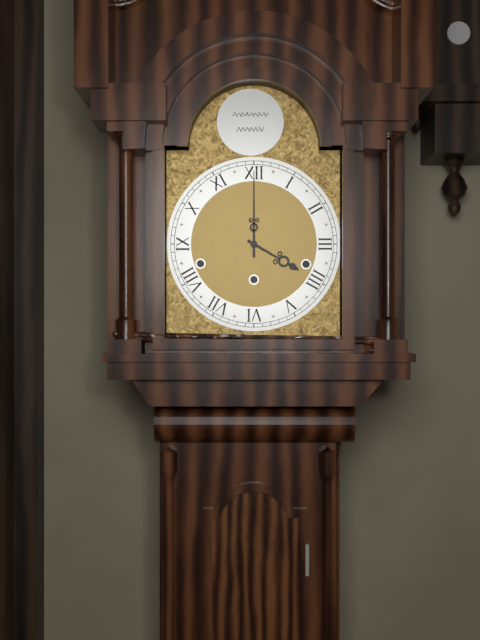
4:00
